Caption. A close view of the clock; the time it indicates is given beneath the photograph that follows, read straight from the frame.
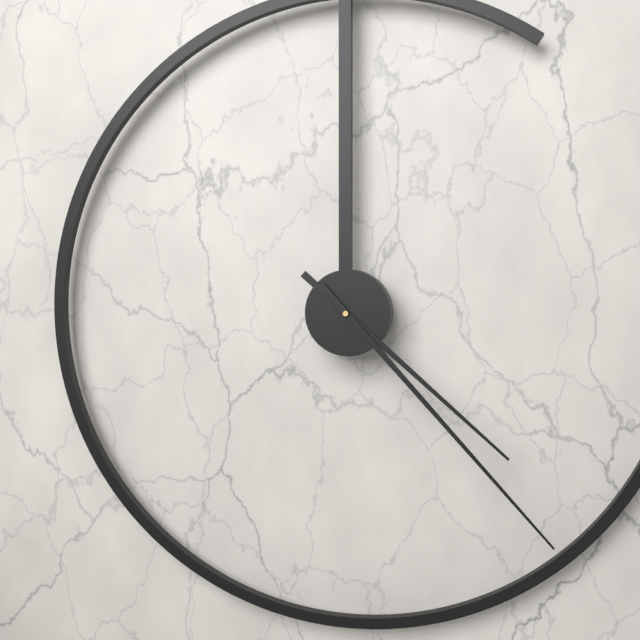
4:23
